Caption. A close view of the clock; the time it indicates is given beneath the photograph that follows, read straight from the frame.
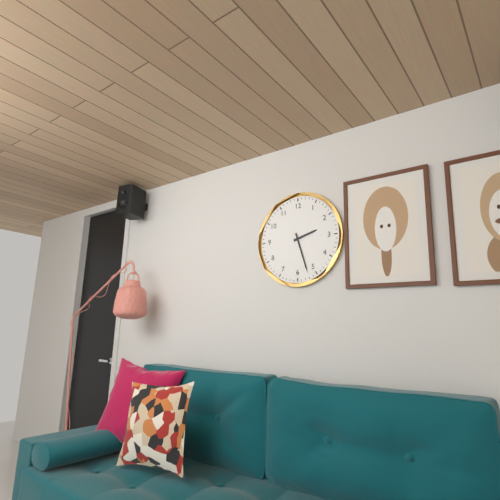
2:27
